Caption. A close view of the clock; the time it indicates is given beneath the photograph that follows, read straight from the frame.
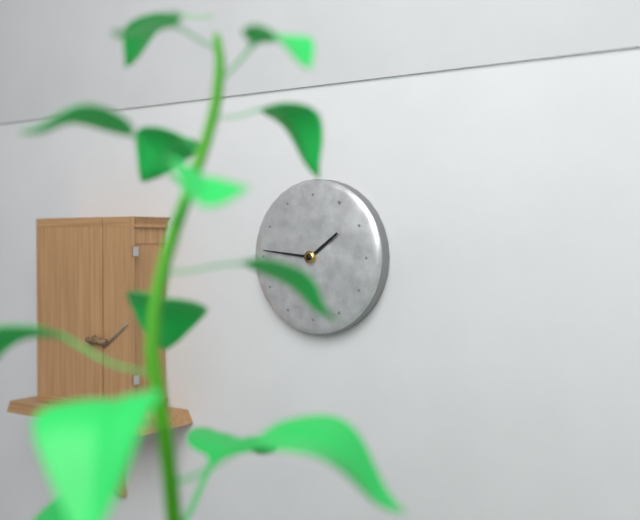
1:46
